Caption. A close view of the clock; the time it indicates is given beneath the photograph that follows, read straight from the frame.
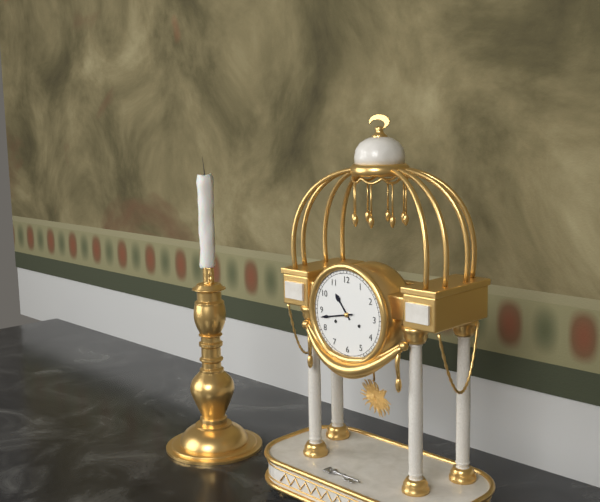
10:43
